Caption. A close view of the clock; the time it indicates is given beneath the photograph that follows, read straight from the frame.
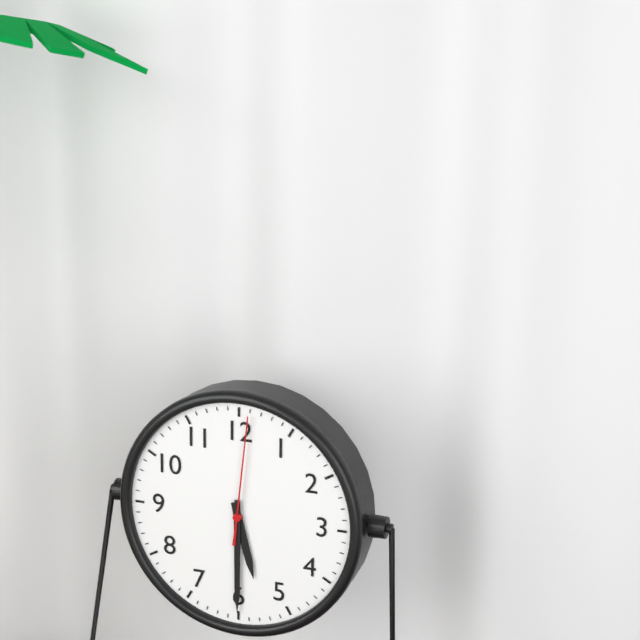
5:30:01
